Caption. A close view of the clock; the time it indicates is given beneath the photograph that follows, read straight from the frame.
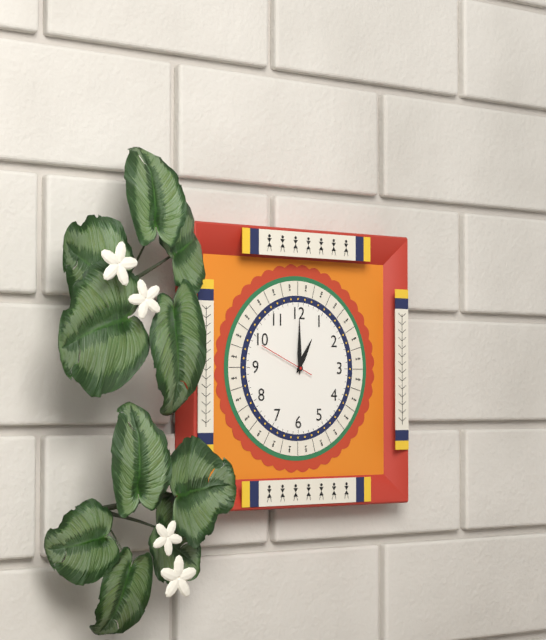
1:00:49
